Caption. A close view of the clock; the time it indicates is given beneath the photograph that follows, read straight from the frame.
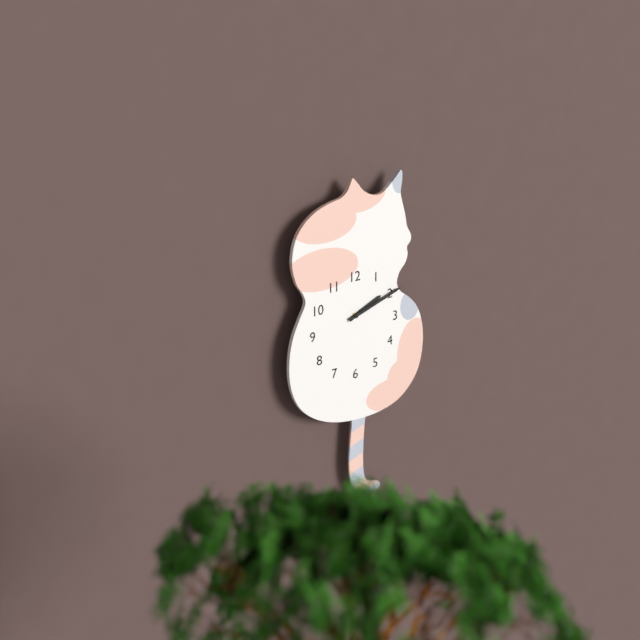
2:12
